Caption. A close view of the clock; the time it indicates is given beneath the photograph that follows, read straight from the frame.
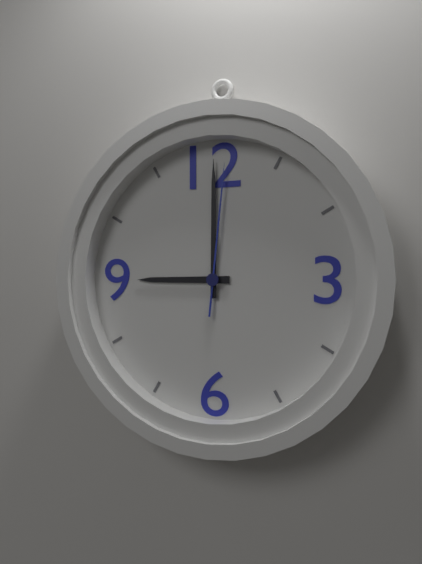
9:00:01
